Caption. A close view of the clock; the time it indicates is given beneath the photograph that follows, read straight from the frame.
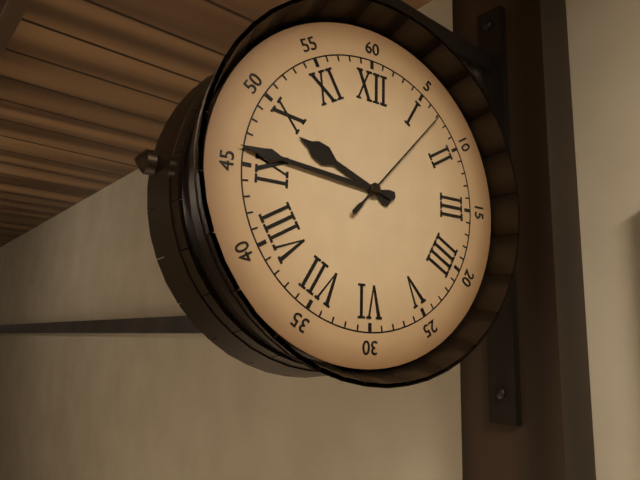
9:46:07
